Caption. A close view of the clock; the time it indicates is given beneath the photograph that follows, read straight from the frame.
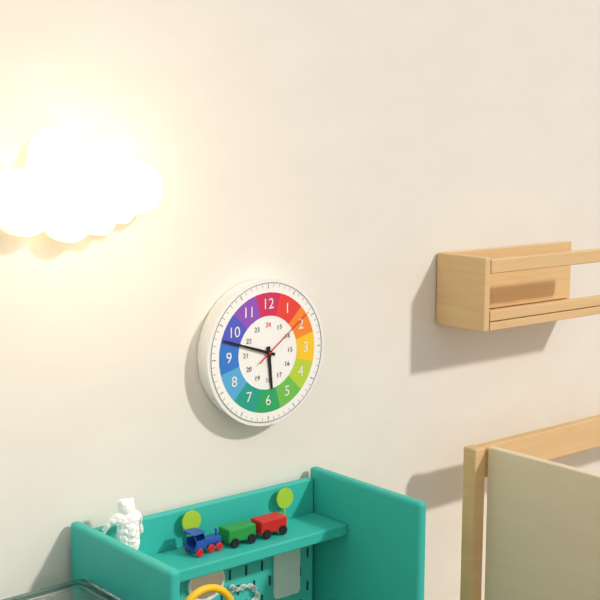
5:48:09
